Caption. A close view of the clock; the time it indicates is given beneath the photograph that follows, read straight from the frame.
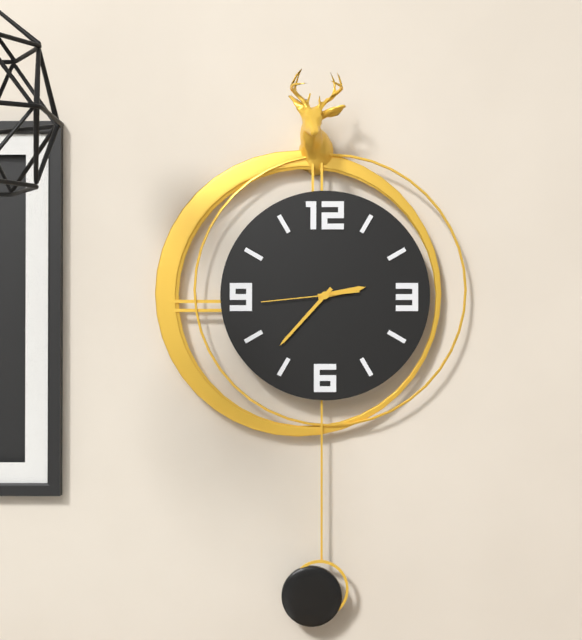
2:37:44
